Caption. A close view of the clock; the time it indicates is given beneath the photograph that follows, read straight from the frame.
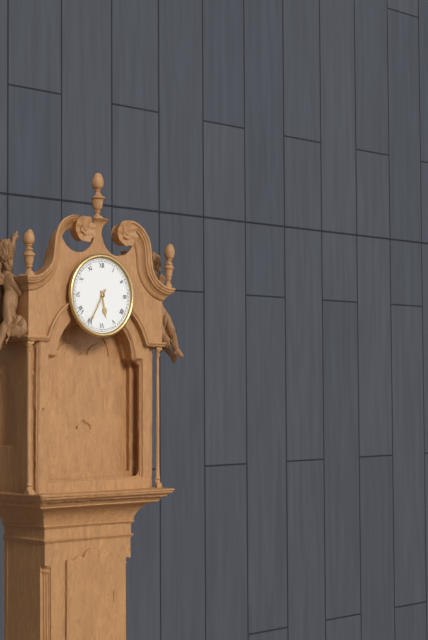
5:35
